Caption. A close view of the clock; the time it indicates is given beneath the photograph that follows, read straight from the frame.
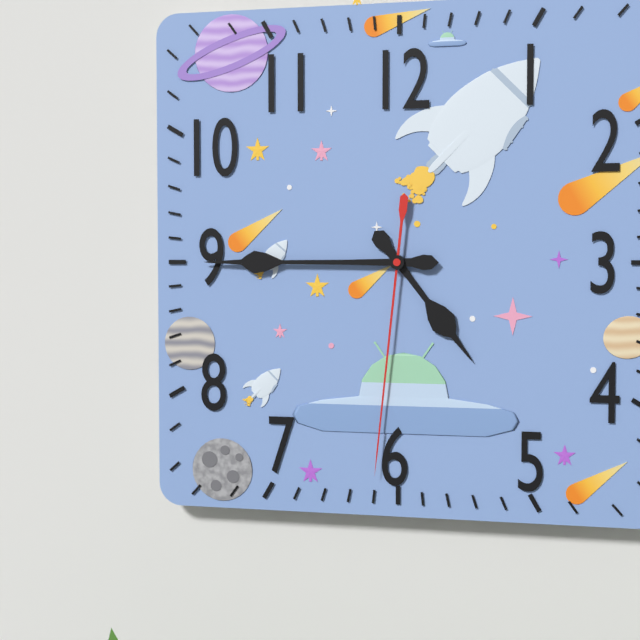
4:45:31
